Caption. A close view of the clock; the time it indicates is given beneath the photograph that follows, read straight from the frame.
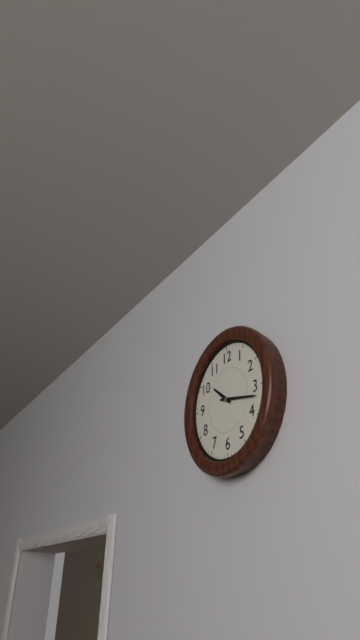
10:17
